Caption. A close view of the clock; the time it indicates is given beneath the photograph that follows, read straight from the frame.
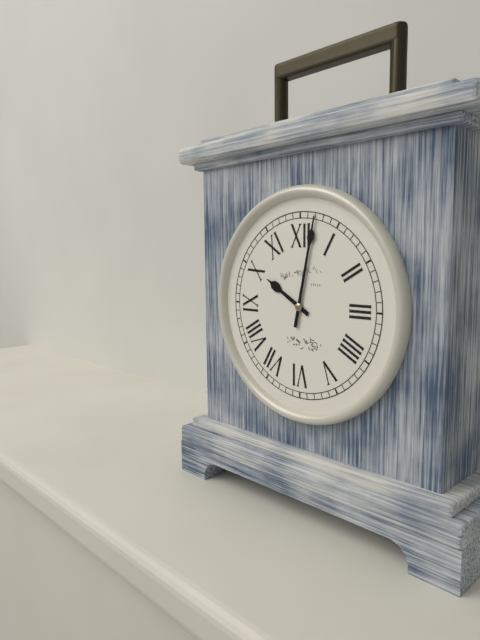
10:02
